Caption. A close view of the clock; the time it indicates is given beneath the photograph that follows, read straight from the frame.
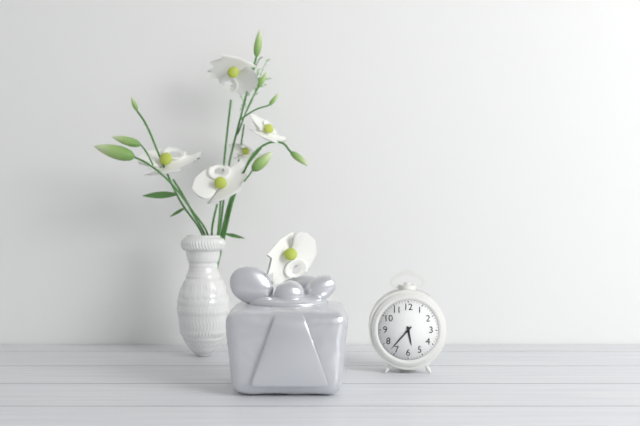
5:37
